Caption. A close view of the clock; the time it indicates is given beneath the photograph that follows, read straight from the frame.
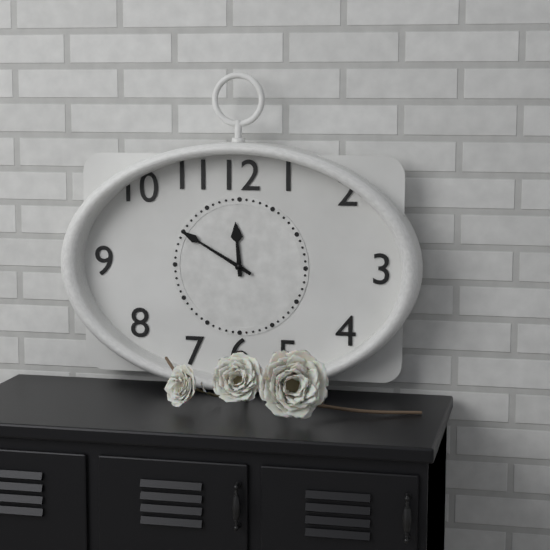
11:50
